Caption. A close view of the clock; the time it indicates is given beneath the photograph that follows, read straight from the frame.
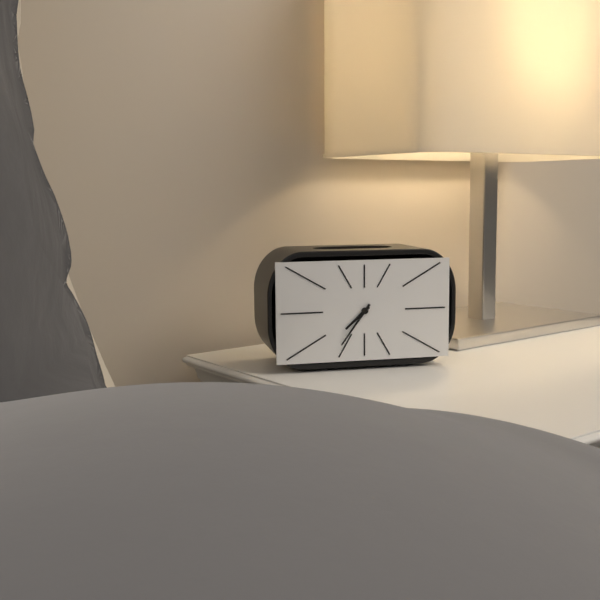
7:36
